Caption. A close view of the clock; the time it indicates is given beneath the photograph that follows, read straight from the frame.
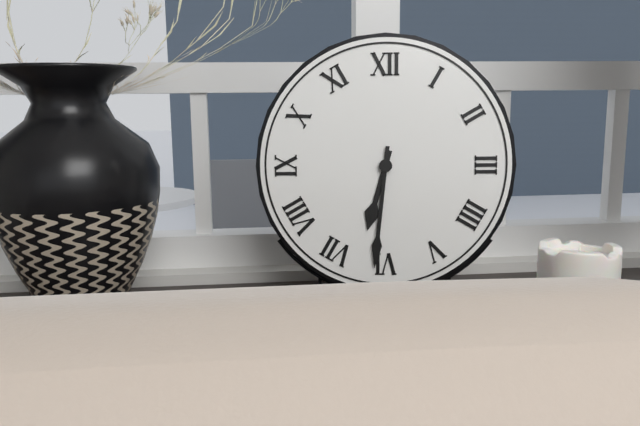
6:31
